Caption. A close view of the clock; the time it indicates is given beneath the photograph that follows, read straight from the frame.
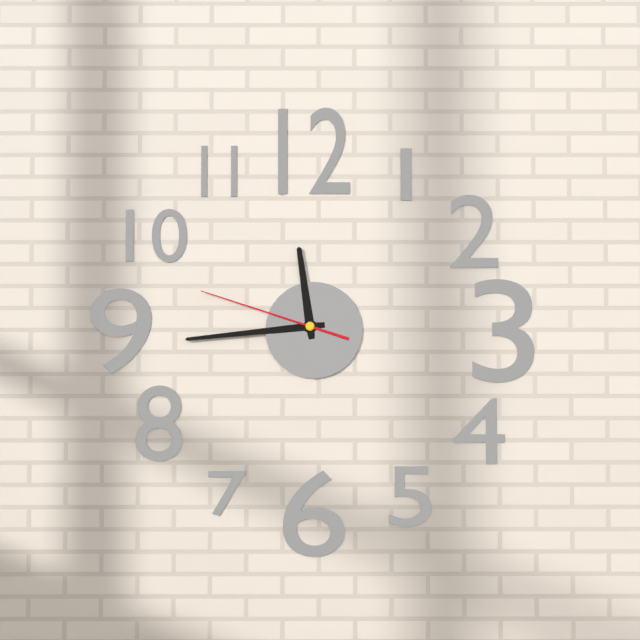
11:44:48
